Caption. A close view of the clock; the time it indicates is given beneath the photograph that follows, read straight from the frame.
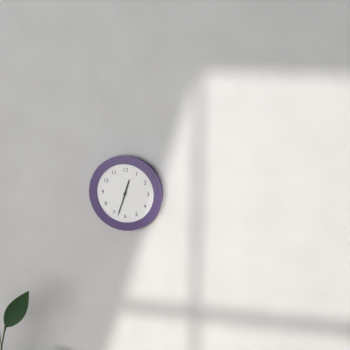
12:33
